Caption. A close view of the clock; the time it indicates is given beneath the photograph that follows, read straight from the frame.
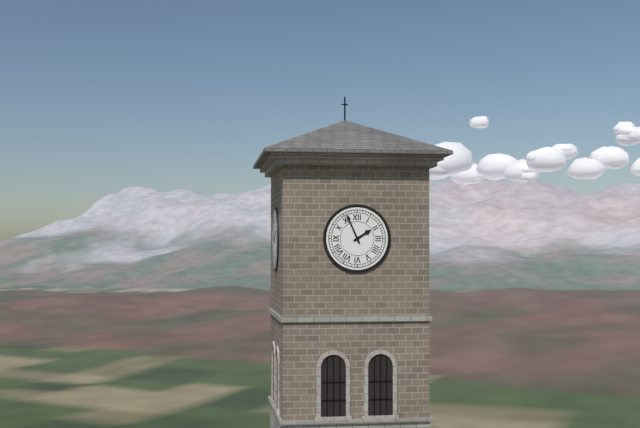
1:56
